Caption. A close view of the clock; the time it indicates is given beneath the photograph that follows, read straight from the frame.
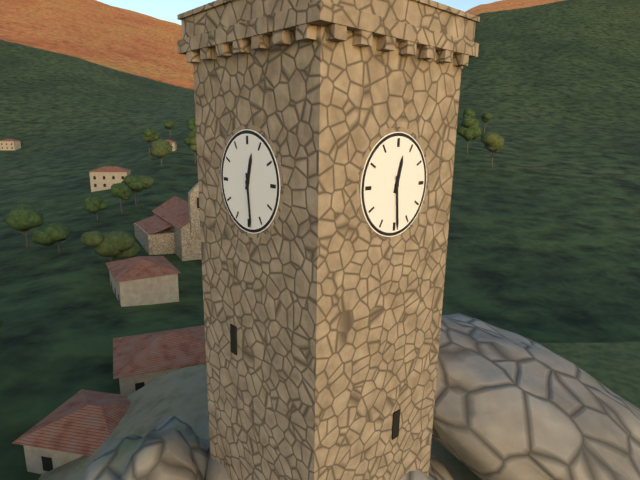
12:29
